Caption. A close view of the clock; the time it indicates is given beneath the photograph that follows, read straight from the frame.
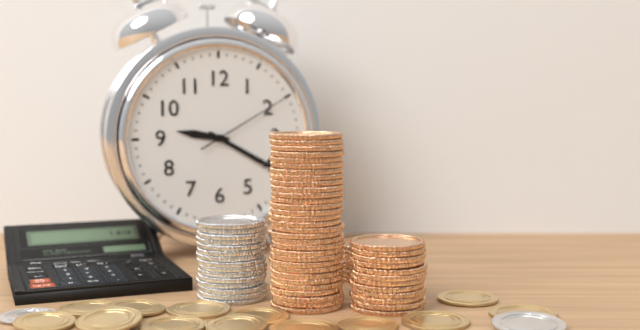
9:20:10
